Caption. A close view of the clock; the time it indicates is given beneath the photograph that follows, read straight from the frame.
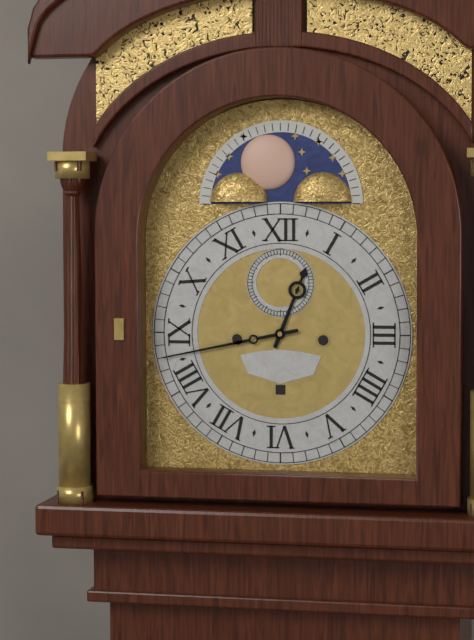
12:43
